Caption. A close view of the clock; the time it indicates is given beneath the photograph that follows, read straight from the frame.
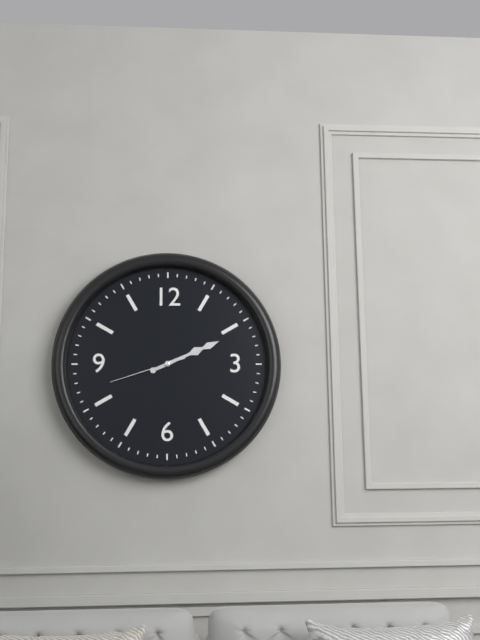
2:11:42
